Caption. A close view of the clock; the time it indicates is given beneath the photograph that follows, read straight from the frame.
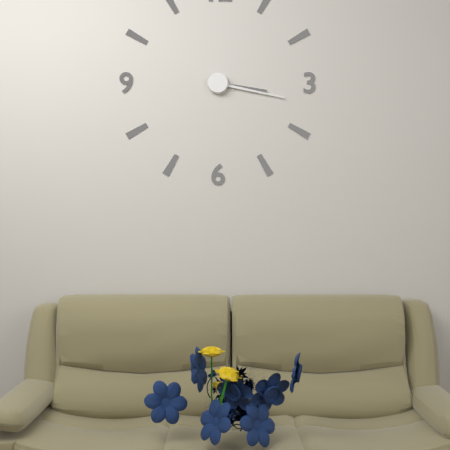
3:17
